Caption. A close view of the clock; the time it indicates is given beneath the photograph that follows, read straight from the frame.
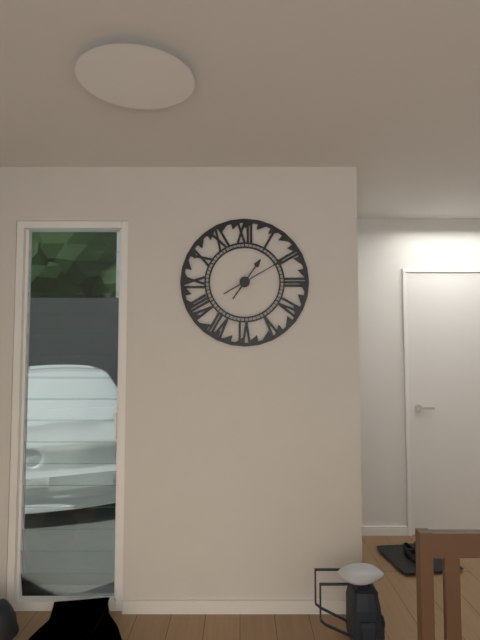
1:10
